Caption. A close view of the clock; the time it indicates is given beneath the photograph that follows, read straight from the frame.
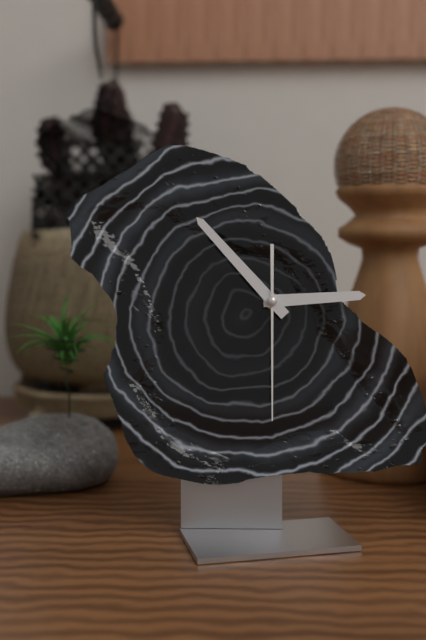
2:53:30
